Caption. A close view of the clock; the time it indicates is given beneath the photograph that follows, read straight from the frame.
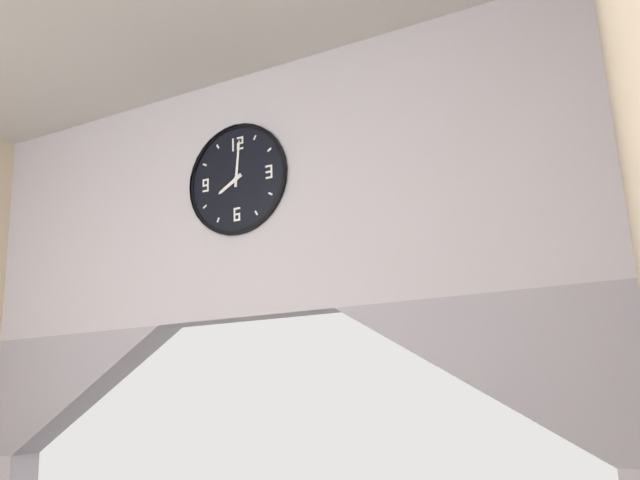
8:01
